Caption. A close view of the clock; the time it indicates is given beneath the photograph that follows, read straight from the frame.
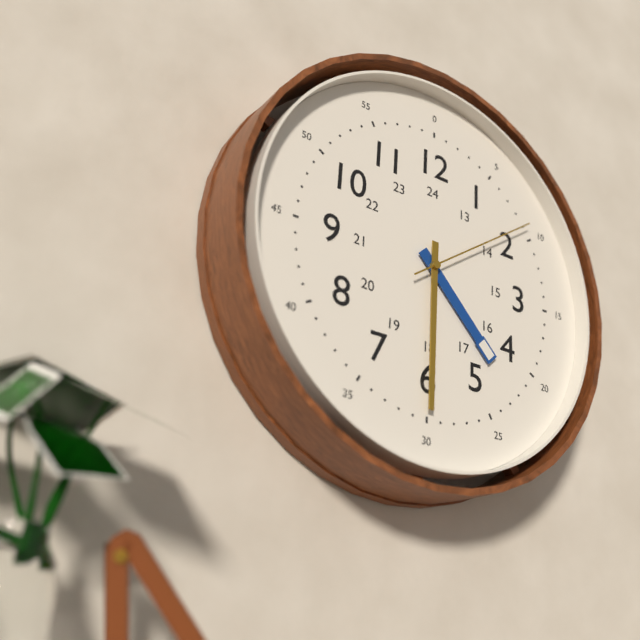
4:30:09
